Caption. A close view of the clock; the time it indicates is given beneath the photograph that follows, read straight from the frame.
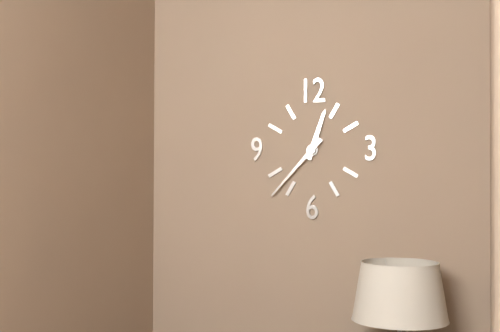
12:37
